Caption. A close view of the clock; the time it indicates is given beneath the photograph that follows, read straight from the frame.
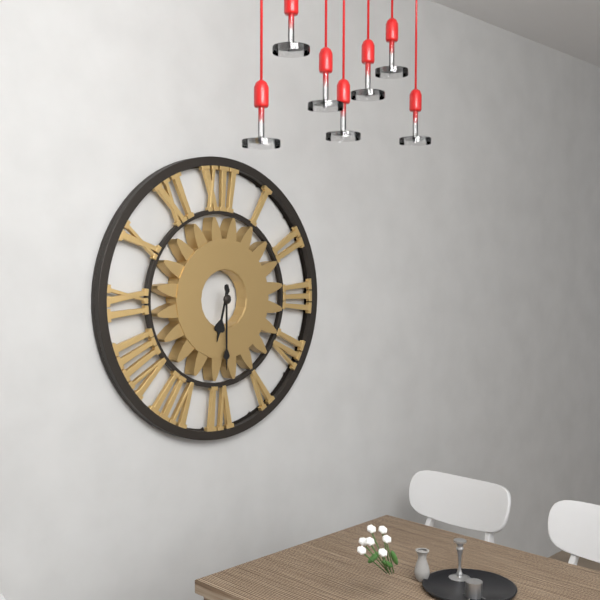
6:30
